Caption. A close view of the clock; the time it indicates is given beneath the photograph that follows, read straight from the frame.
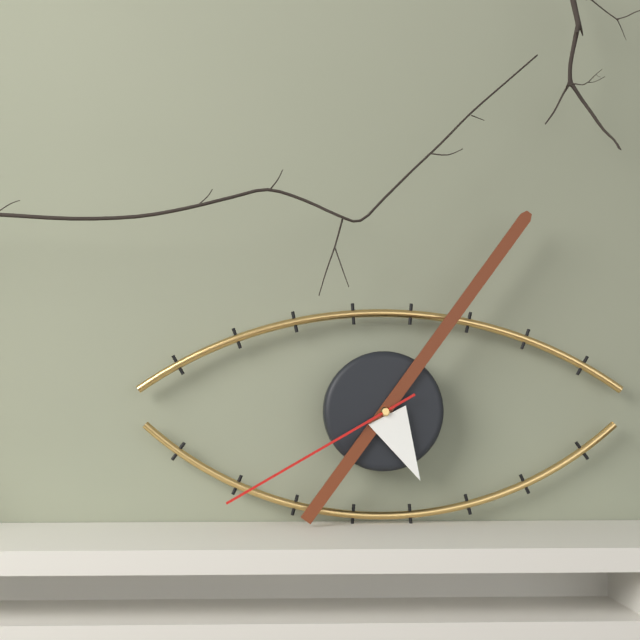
5:06:40
